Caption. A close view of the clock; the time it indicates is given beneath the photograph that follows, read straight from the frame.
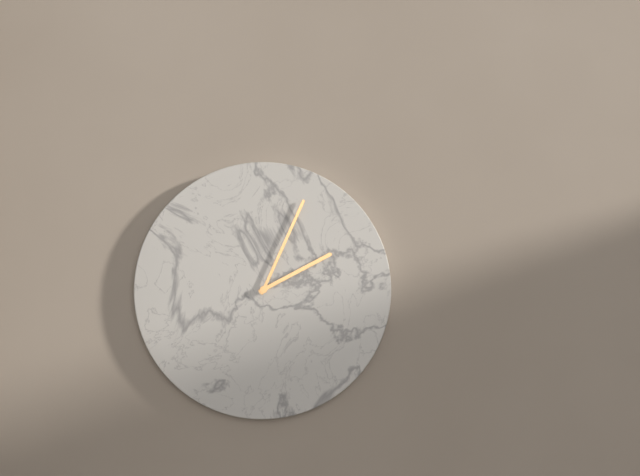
2:04
